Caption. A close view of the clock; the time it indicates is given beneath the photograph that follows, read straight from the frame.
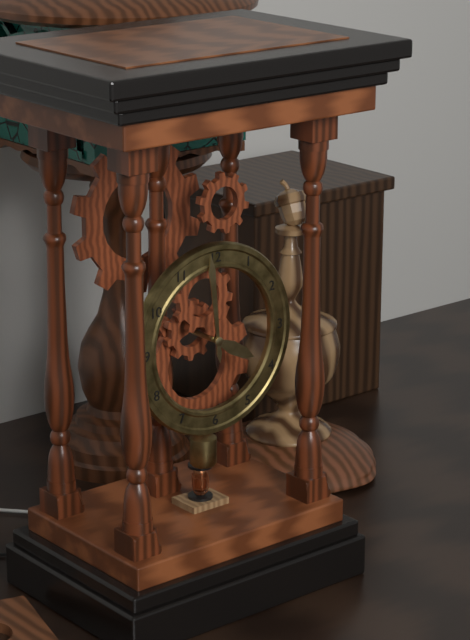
3:59
